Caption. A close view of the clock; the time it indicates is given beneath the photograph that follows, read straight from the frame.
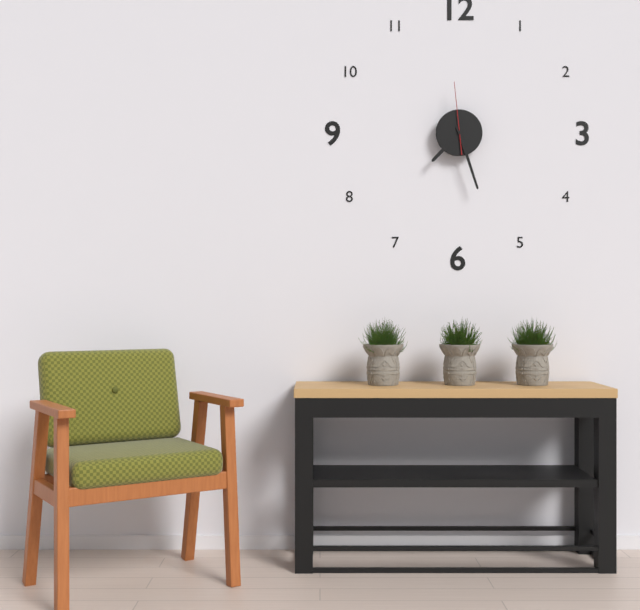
7:27:59
